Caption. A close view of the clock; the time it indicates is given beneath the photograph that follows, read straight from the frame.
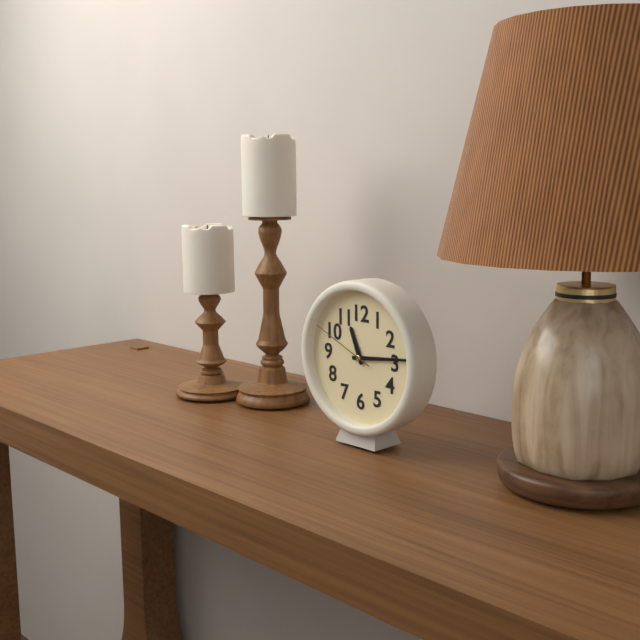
11:14:49
